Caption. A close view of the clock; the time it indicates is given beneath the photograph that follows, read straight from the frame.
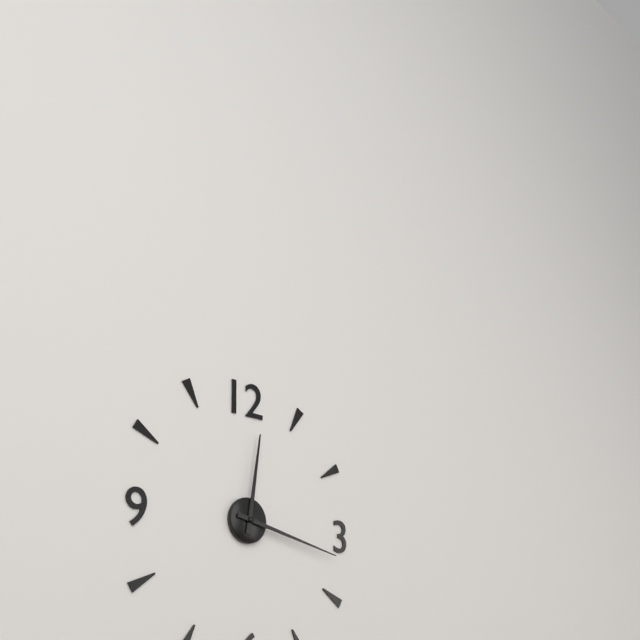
12:17
